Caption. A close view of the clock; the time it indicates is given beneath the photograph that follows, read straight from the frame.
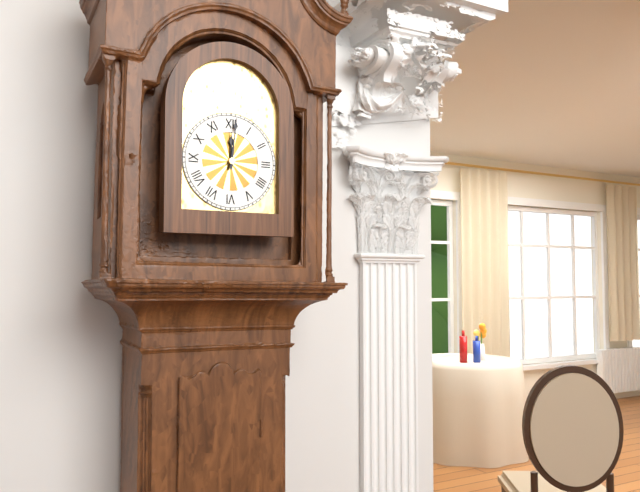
12:01
